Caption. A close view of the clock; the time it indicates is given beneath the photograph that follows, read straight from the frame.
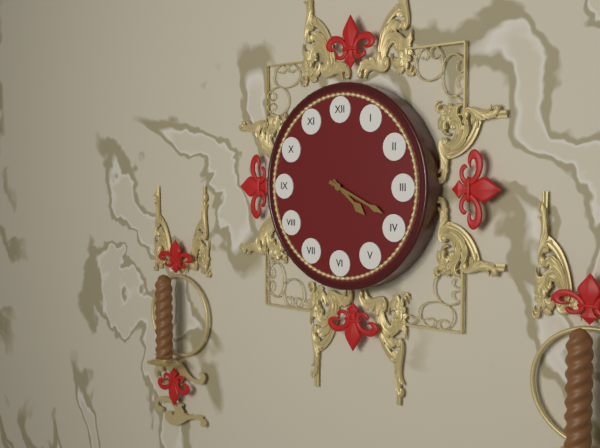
4:19
